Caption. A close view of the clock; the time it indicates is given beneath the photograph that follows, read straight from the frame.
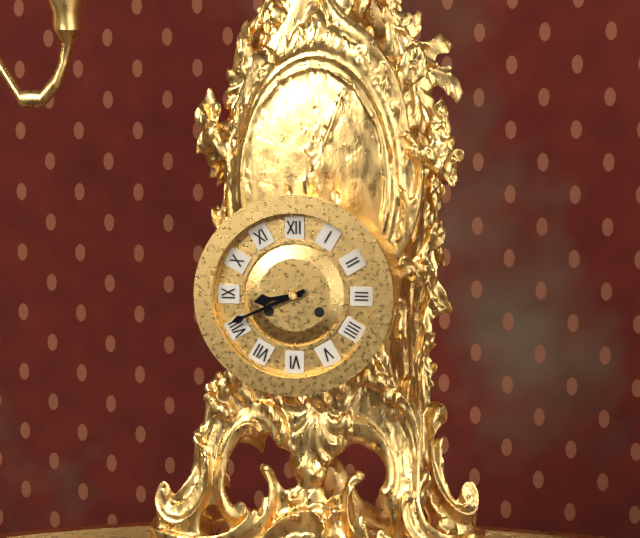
8:41
